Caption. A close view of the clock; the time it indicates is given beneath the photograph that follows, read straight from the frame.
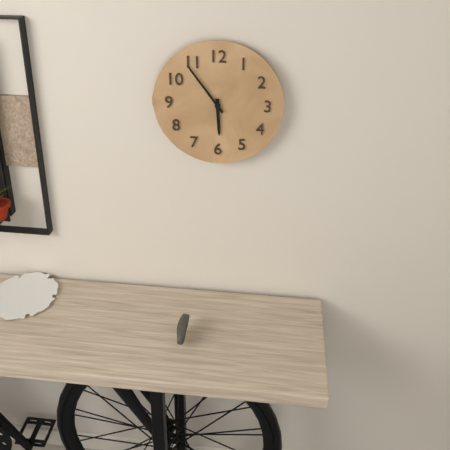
5:54
